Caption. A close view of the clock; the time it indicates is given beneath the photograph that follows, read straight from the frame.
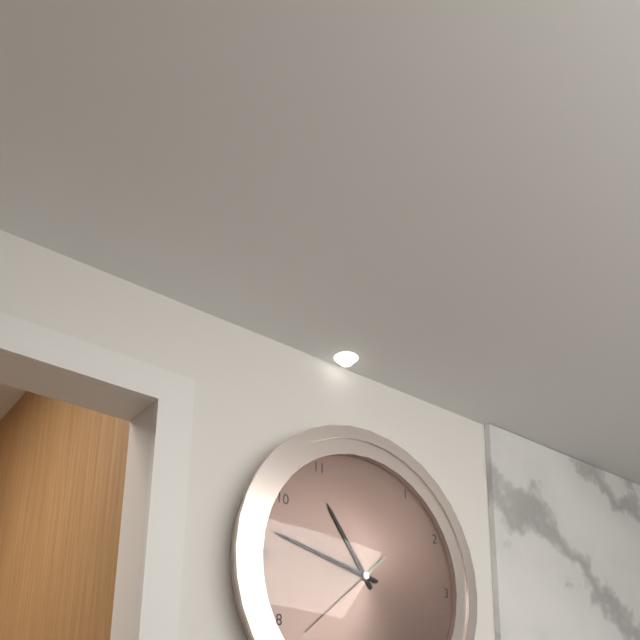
10:47:38
